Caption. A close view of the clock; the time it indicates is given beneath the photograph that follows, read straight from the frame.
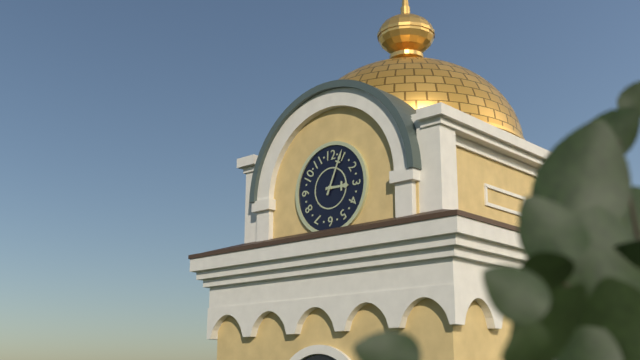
3:04
